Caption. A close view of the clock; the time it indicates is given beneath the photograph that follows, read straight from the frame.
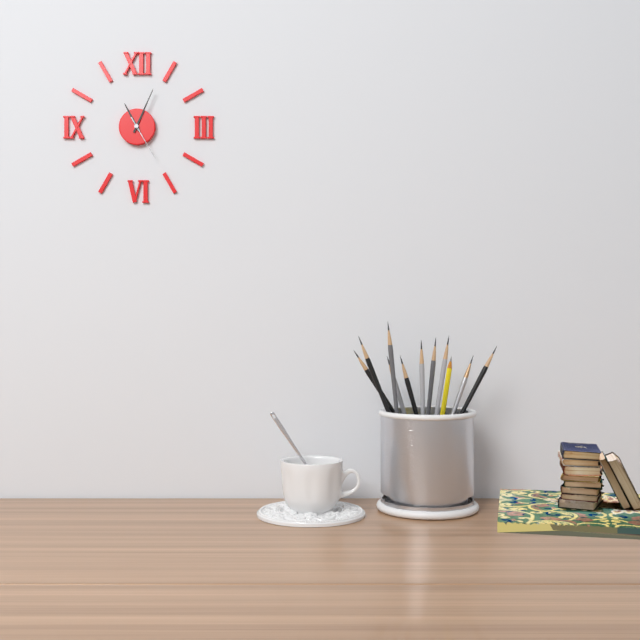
11:04
